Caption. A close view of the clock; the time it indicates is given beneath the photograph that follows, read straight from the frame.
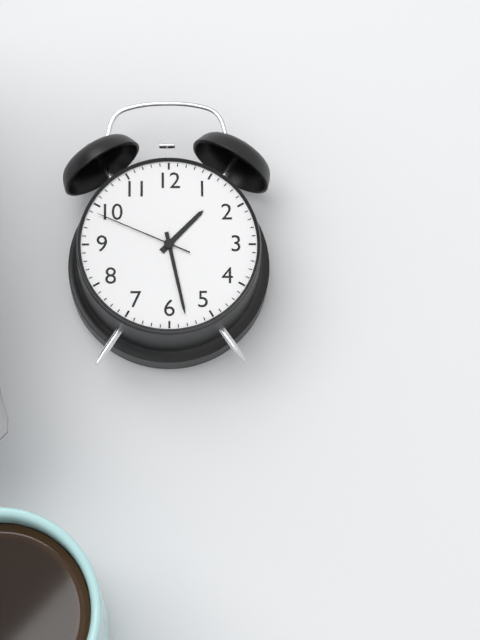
1:28:49
